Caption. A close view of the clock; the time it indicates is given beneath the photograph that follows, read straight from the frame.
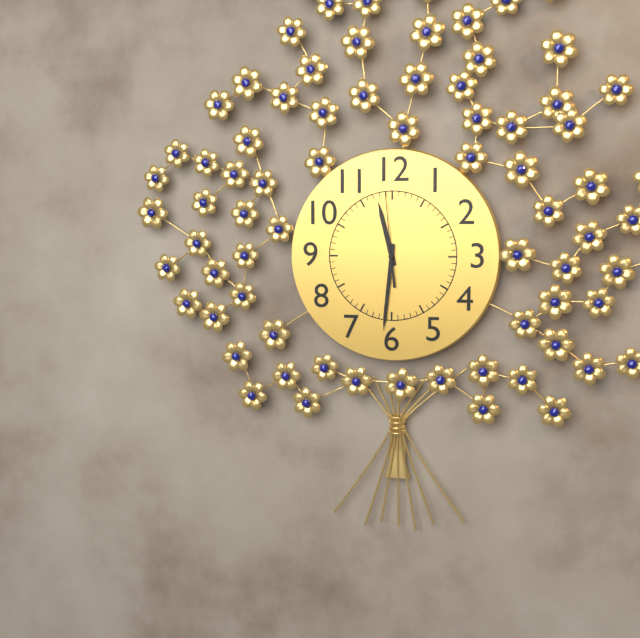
11:31:59
